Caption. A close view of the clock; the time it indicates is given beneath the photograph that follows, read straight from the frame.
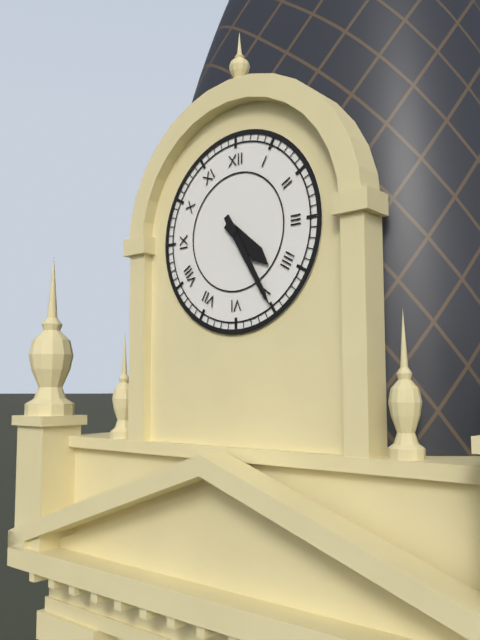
4:25
